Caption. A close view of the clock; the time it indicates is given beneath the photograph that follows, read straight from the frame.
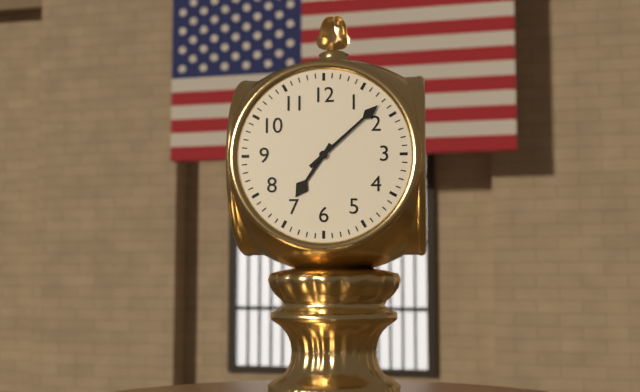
7:08
